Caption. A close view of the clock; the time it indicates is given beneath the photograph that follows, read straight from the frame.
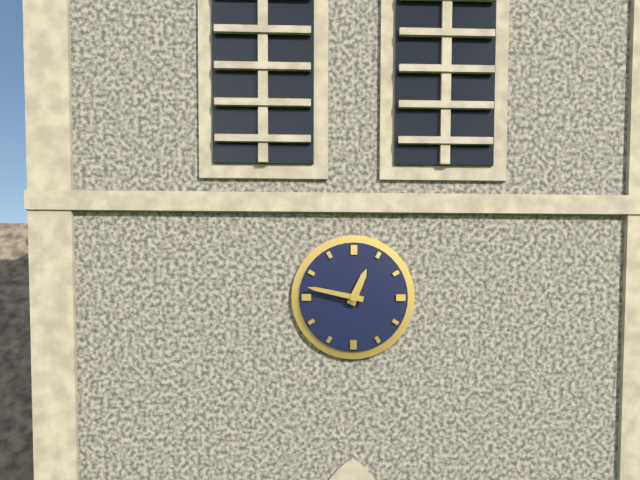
12:47
